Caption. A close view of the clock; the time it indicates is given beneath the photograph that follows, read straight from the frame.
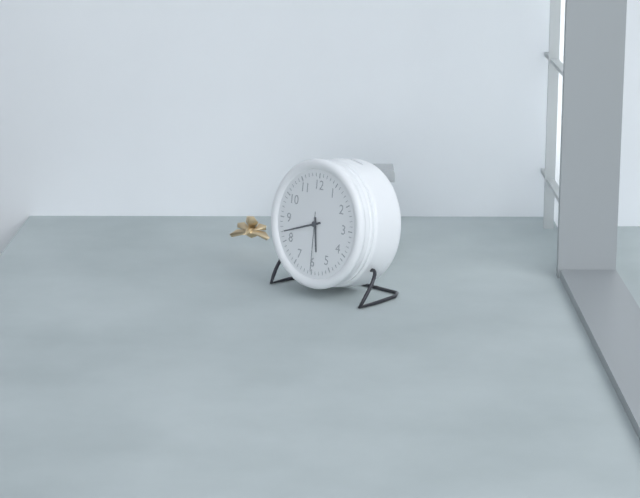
5:42:30
